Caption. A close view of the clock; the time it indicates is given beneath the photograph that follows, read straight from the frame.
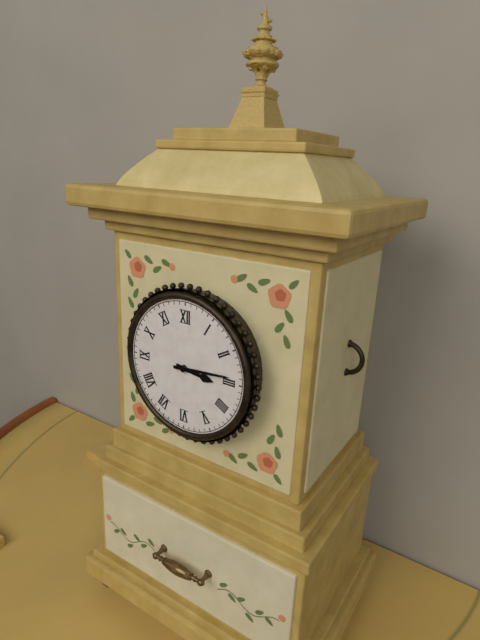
3:14
